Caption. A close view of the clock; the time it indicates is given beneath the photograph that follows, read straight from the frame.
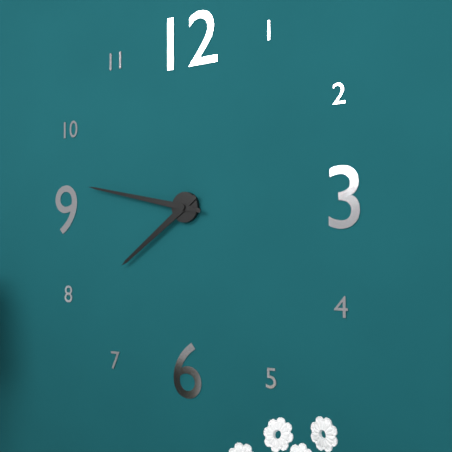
7:47
